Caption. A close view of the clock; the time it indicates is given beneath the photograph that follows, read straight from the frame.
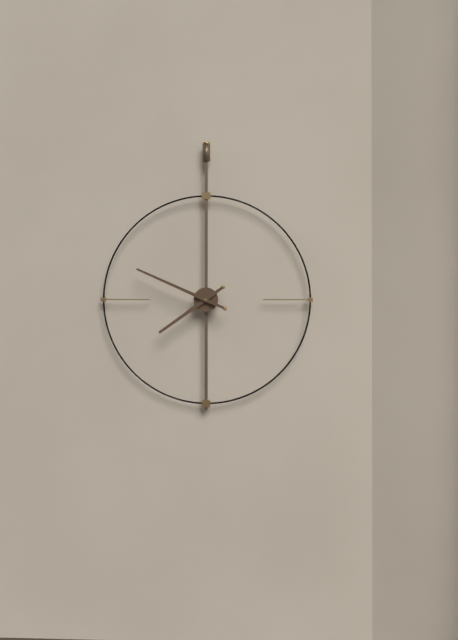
7:49
